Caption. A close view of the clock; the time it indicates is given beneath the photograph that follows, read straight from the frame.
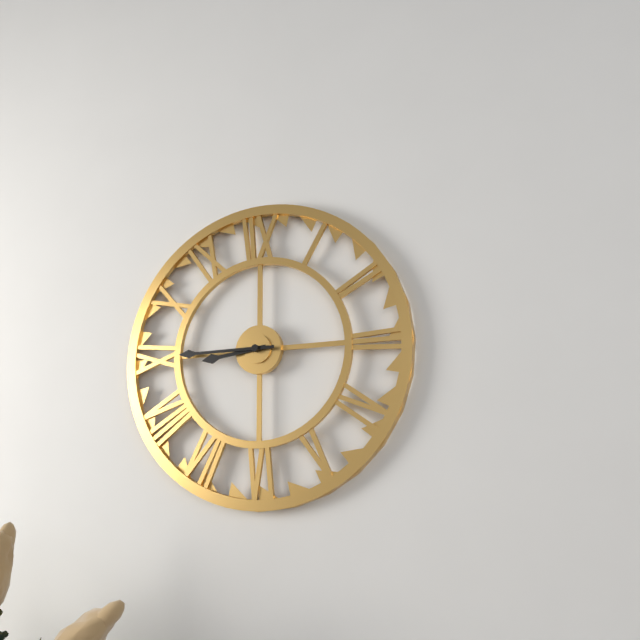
8:45
